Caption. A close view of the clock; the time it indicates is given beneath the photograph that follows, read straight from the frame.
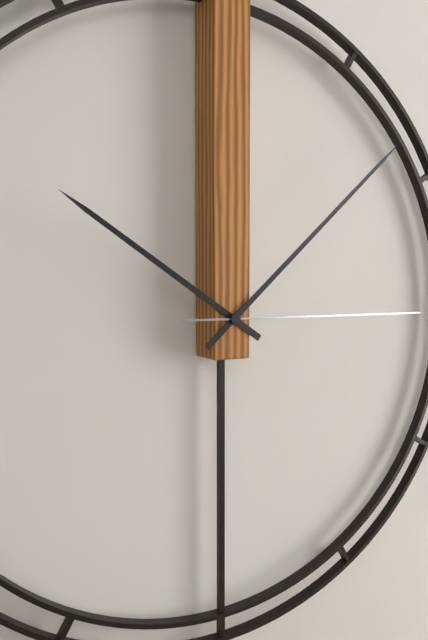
10:08:15
